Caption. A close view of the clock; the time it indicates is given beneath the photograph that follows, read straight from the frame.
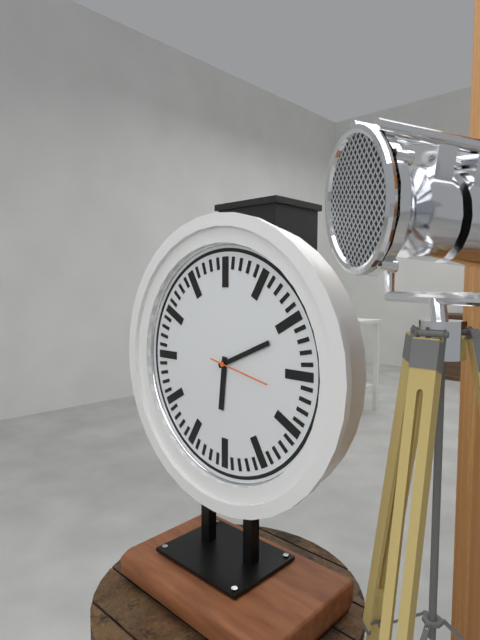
6:11:17
